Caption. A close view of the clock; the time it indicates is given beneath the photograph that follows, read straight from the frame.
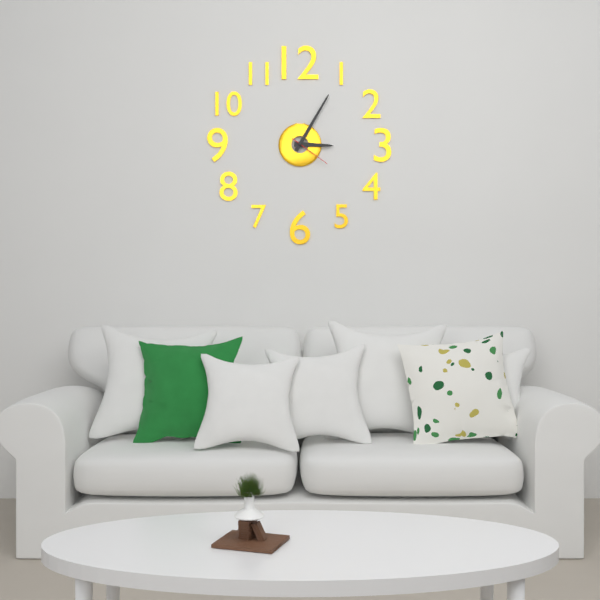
3:05
